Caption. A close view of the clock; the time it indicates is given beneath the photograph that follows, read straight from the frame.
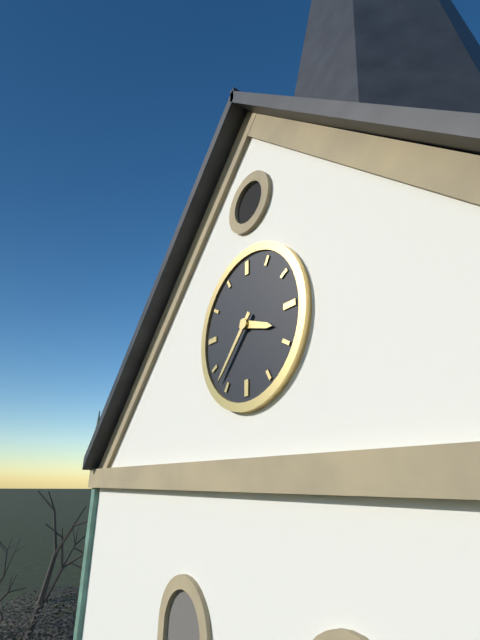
3:37
